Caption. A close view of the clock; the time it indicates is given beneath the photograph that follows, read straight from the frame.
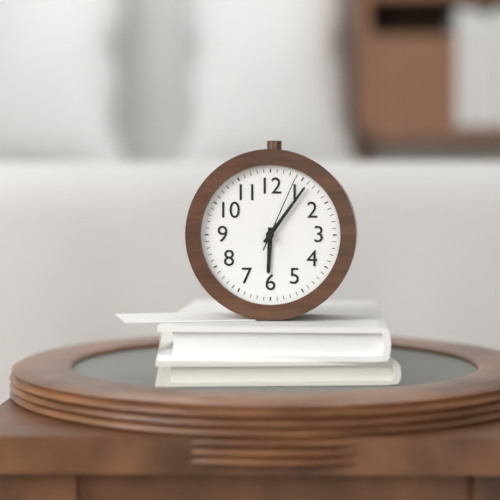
6:06:04
